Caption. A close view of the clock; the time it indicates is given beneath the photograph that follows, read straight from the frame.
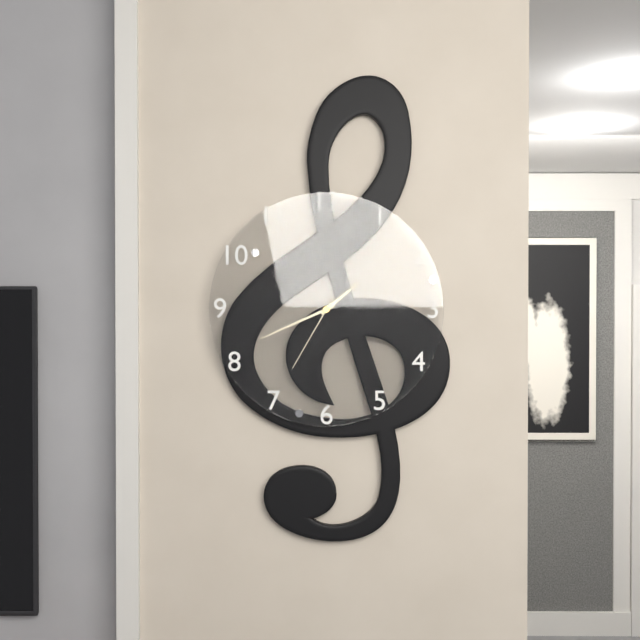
1:41:35
